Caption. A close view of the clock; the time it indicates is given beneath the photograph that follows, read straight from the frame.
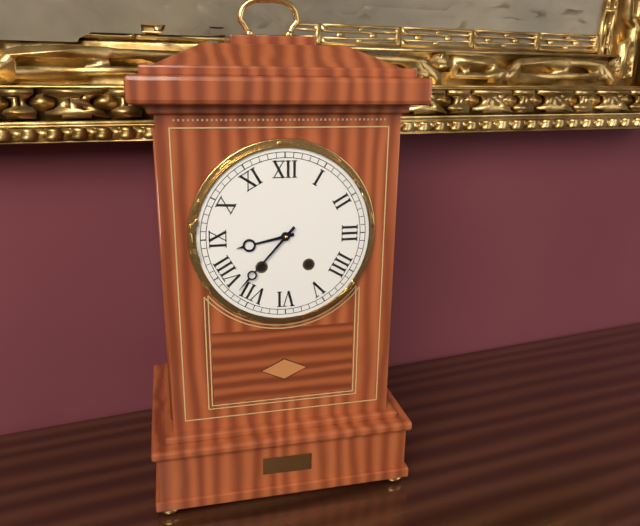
8:37
